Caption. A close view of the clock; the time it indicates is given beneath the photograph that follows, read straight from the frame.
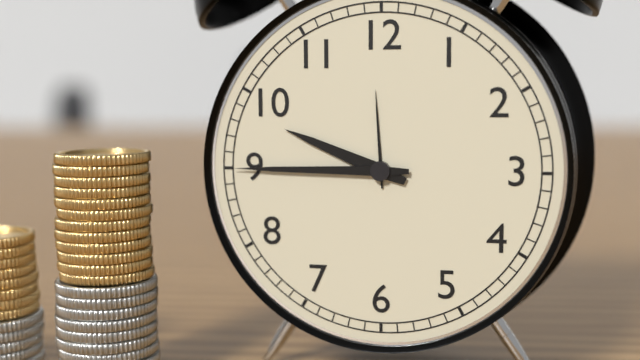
9:45
